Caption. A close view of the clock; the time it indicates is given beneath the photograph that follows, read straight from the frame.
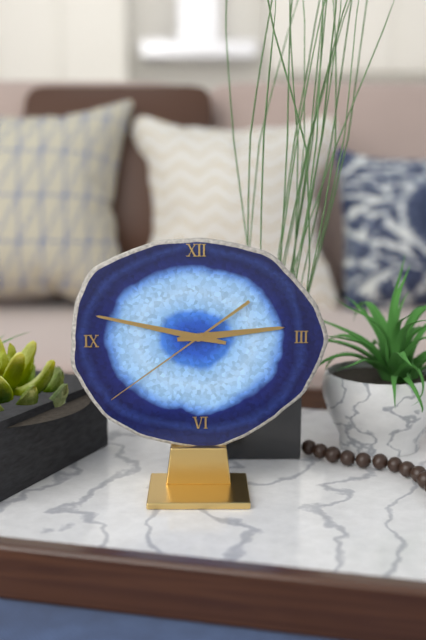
2:47:39
